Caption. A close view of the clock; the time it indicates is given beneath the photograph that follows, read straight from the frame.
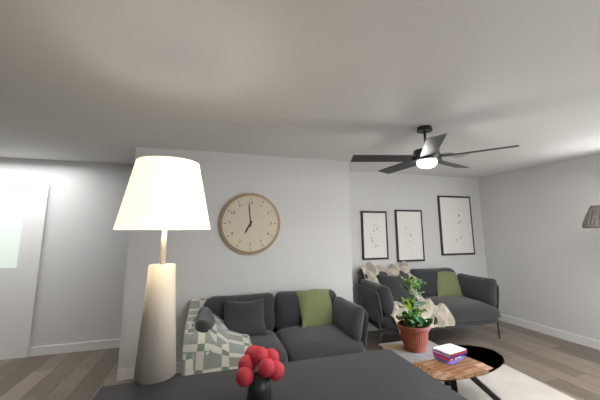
6:59
